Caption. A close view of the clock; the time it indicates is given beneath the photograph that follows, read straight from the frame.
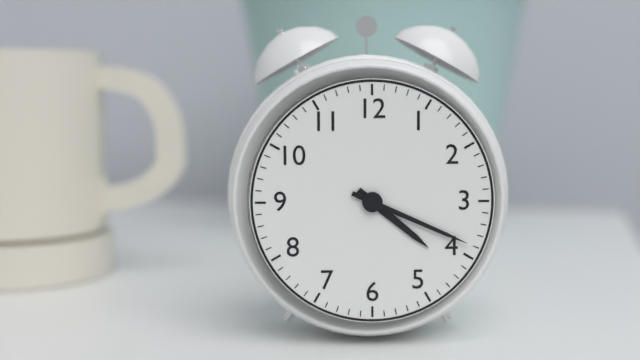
4:19
